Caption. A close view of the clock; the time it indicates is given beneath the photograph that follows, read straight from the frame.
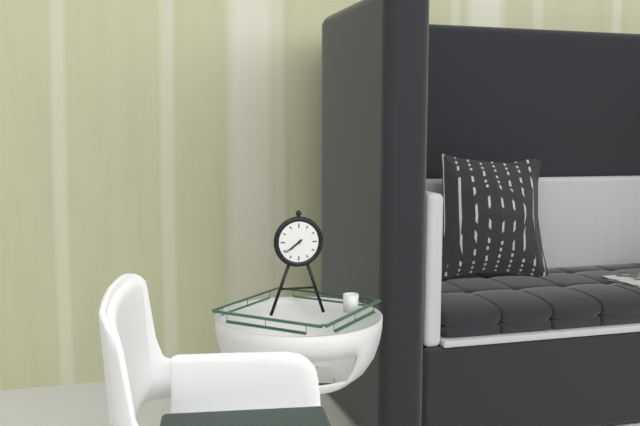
7:39
